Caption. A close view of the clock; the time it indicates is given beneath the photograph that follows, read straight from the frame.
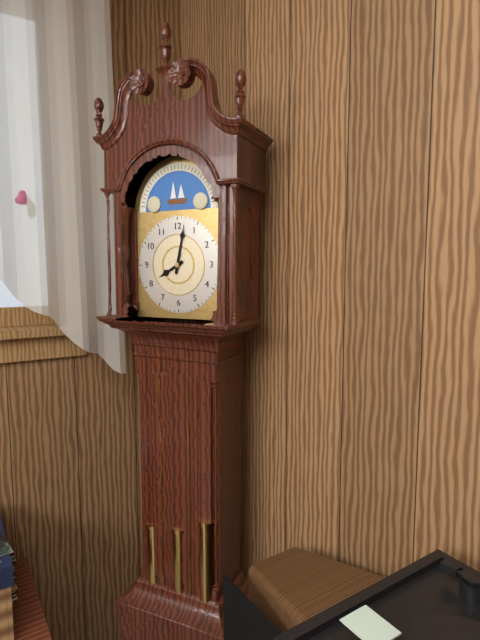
8:02
